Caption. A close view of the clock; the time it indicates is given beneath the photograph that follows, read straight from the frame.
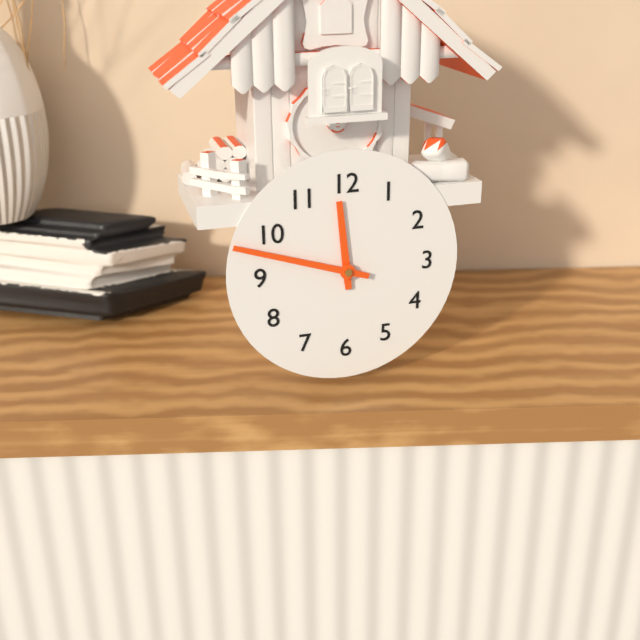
11:48
